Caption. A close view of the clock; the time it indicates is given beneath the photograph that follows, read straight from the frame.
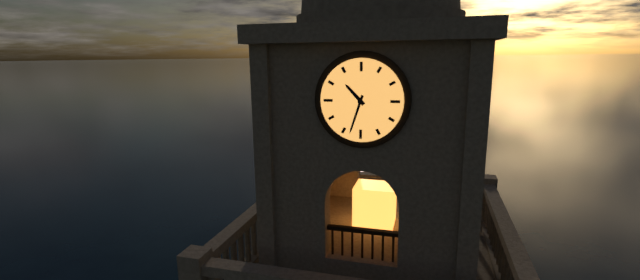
10:33
